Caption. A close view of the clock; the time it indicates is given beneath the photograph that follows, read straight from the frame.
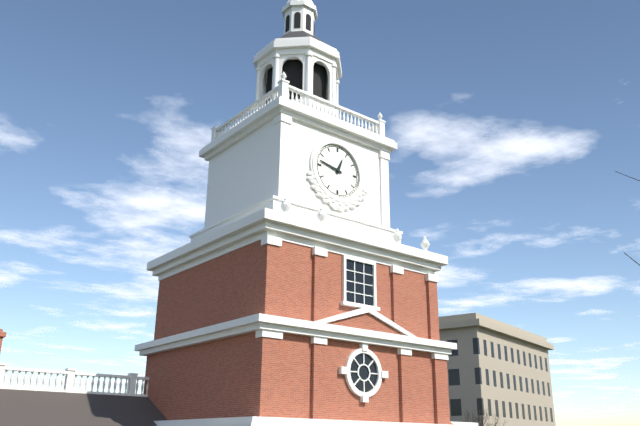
12:47
